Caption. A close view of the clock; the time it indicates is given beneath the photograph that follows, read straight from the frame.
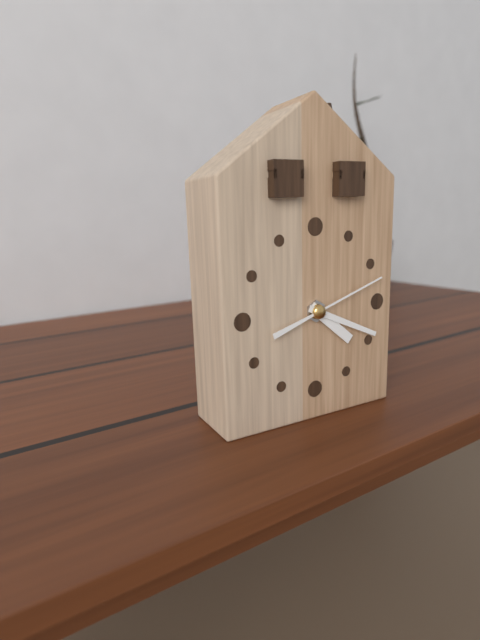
4:19:12
